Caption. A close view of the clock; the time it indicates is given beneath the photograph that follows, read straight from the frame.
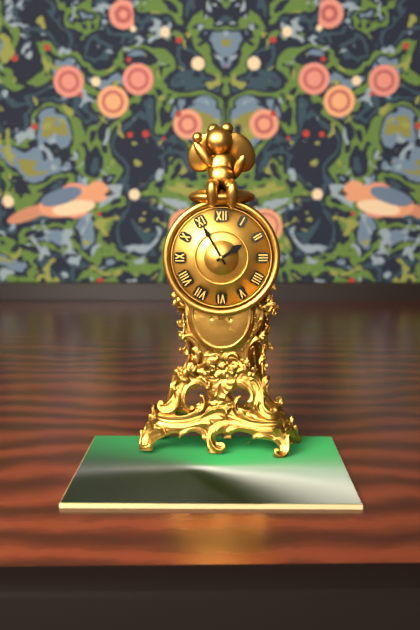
1:55
